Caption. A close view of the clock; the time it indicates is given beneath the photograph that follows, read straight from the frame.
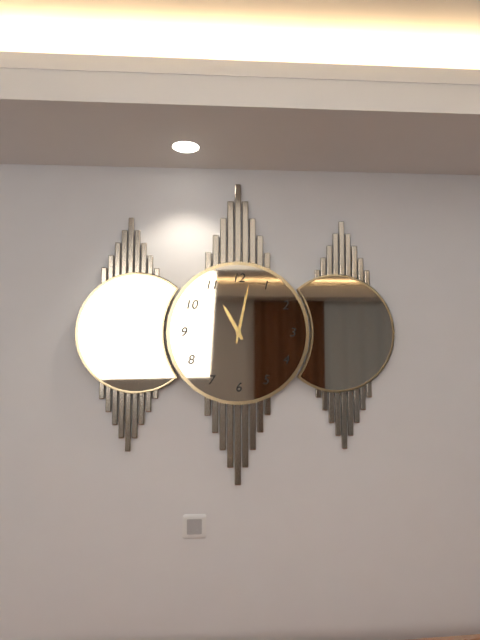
11:02
